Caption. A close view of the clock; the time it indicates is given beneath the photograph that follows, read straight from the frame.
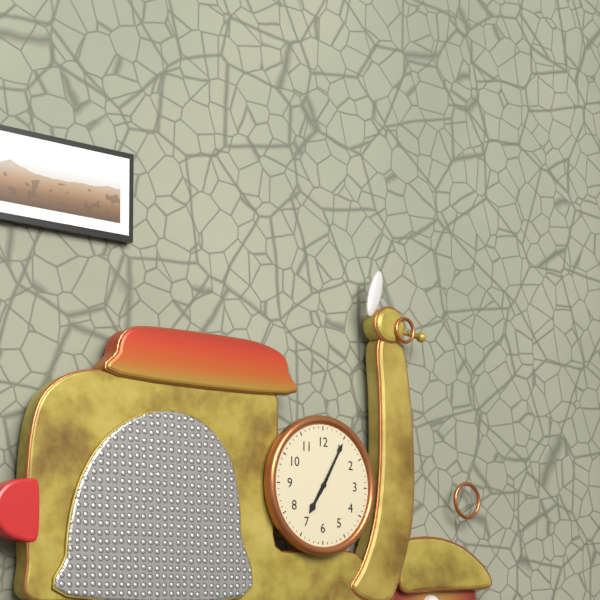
7:05
